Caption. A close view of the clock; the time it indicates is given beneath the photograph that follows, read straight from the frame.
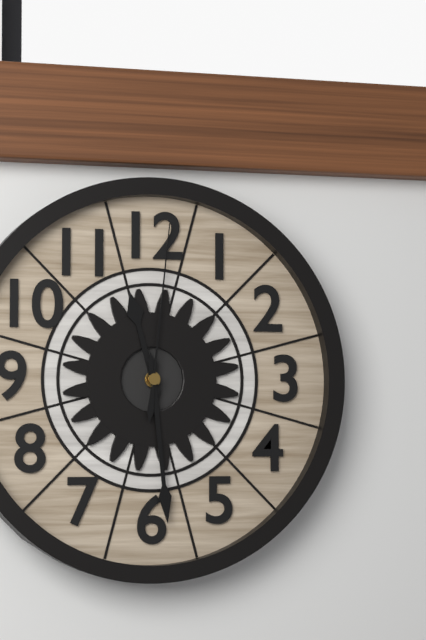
11:29:01
